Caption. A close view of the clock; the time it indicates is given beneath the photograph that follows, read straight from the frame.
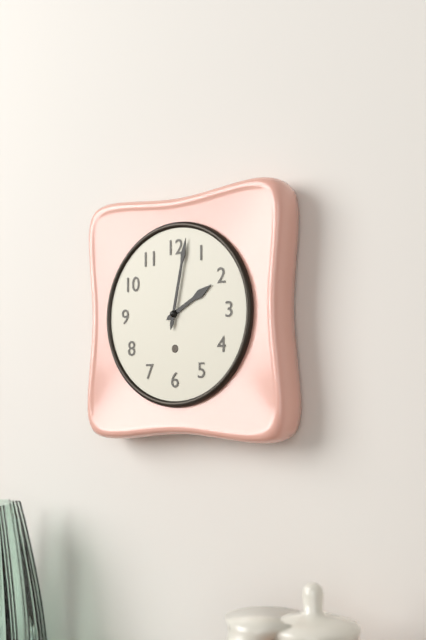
2:02
